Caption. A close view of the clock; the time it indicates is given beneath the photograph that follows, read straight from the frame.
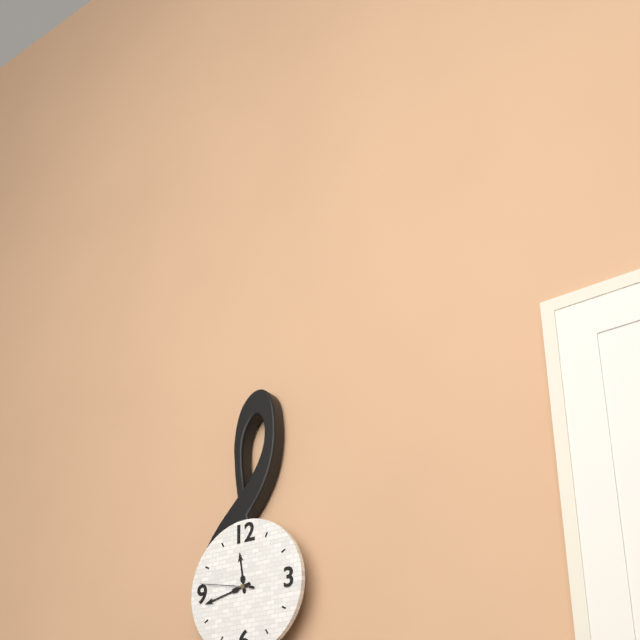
11:43:47
